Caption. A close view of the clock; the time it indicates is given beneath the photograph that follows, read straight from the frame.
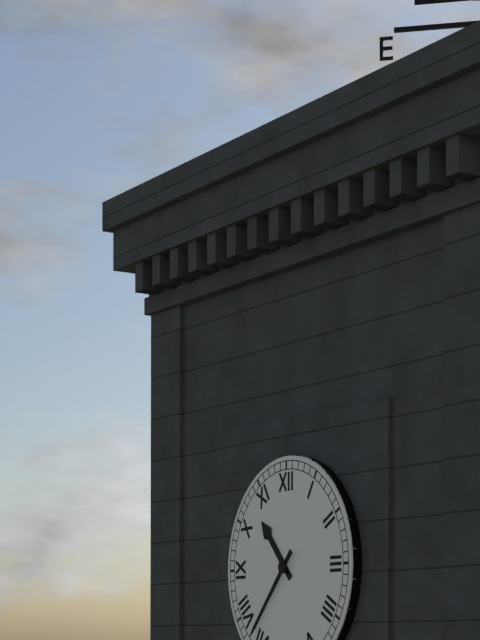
10:37
